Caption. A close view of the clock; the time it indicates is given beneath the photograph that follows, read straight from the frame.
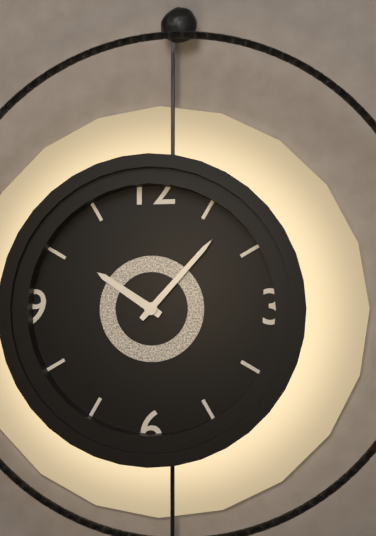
10:07
